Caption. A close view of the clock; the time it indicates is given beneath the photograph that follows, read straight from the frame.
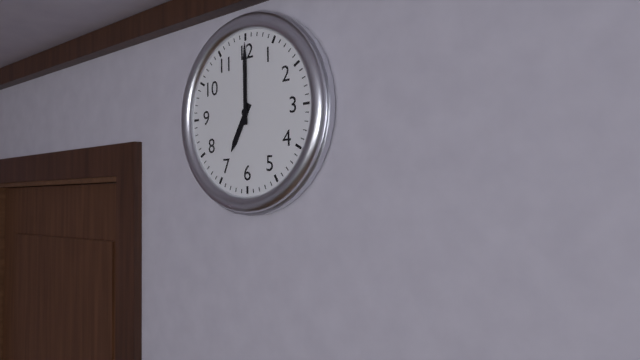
7:00
